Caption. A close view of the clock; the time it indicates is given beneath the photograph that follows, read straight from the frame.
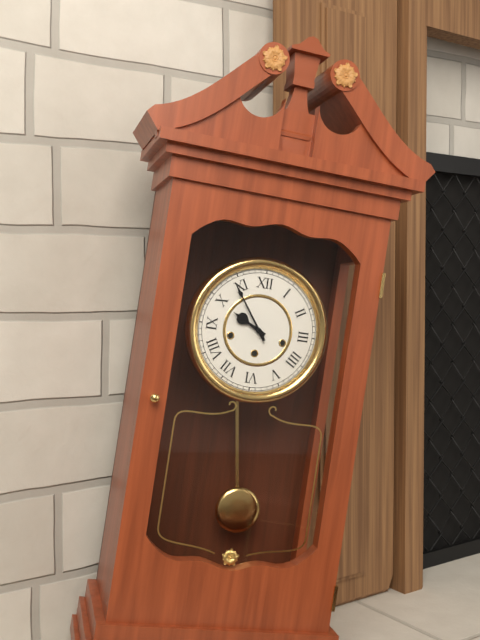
9:54
